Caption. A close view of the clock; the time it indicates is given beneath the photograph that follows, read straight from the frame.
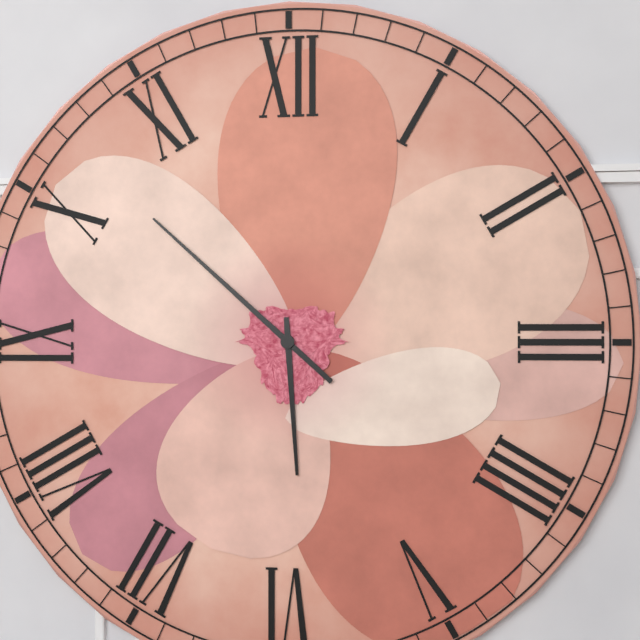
5:52
